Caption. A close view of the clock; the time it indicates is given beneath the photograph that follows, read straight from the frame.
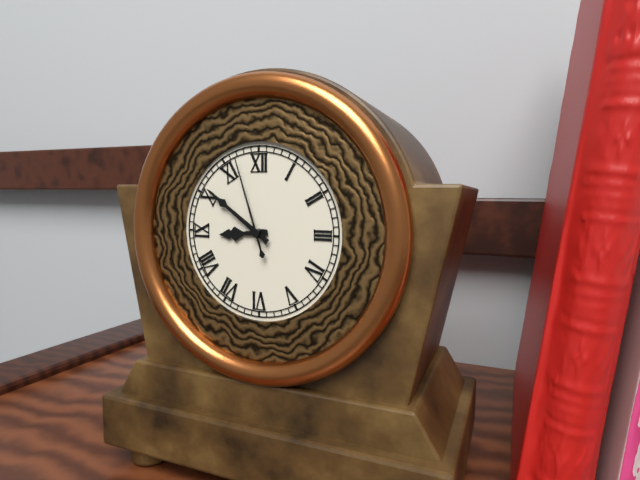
8:51:57
